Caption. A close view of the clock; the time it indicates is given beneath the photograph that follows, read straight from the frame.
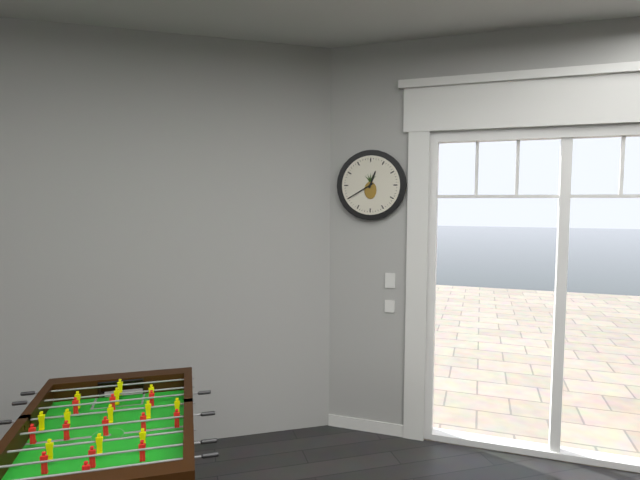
12:40
